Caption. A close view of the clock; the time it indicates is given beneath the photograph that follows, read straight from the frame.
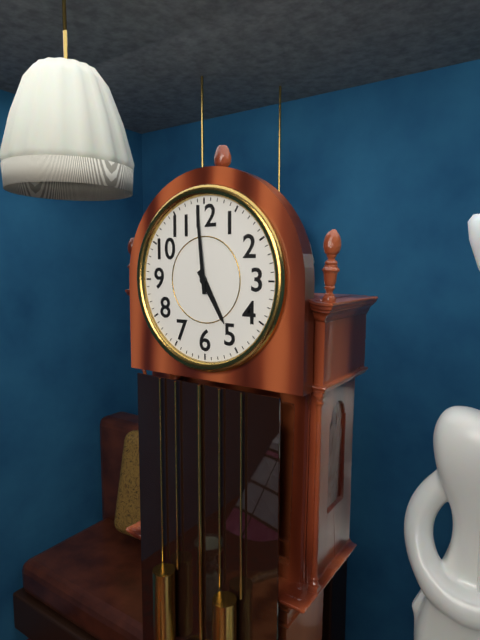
4:59
